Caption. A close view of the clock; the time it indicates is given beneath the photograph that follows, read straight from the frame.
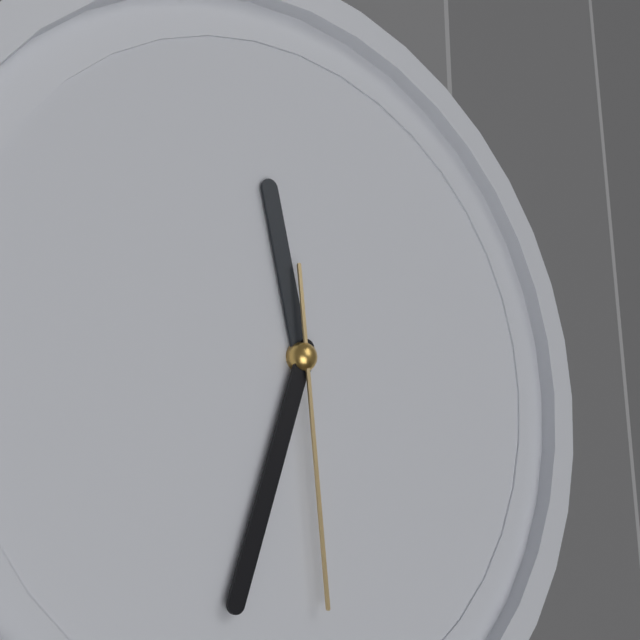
11:33:29
